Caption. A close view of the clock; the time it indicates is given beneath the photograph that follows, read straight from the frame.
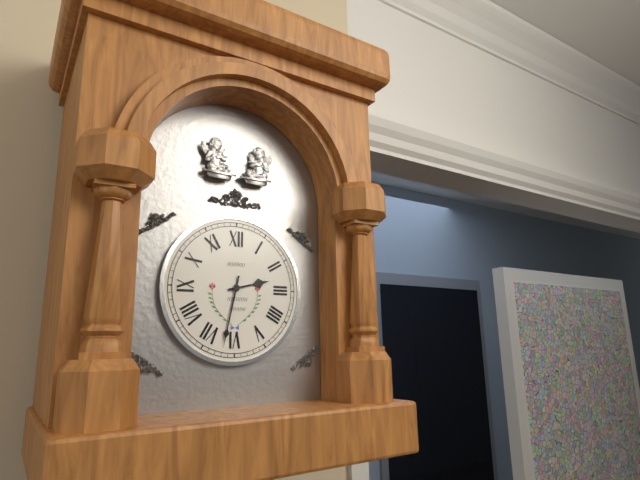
2:32
